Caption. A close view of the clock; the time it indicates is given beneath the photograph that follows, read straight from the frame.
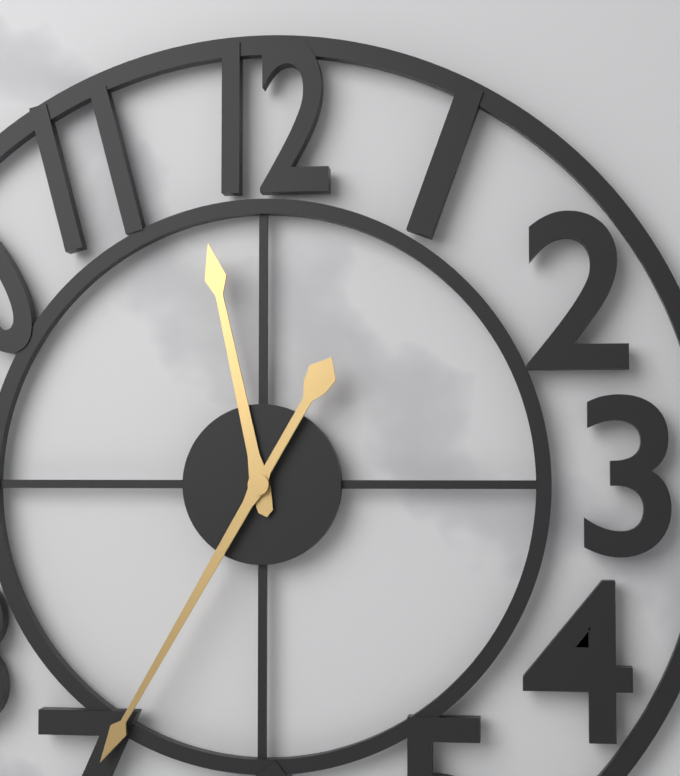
11:35
